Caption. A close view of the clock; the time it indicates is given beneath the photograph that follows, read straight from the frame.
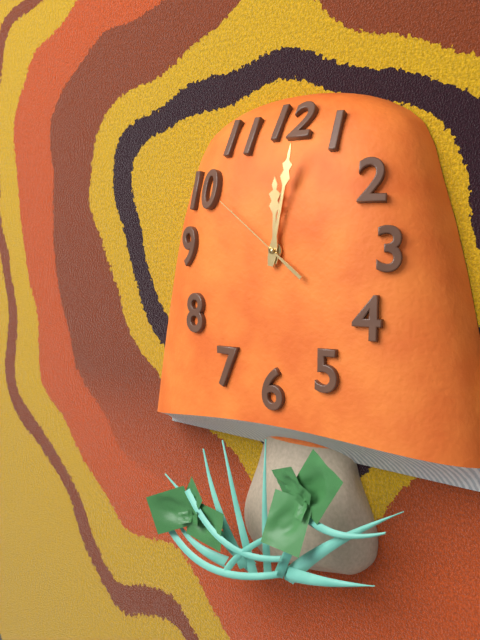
12:02:51
